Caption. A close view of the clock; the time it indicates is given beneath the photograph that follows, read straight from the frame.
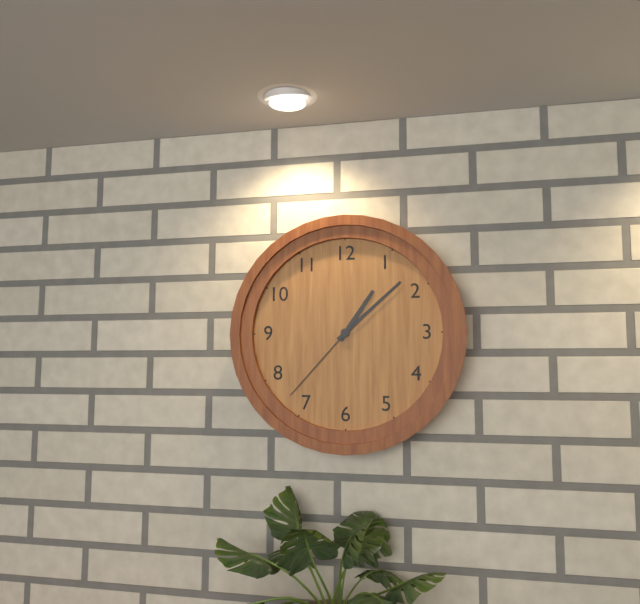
1:08:37
